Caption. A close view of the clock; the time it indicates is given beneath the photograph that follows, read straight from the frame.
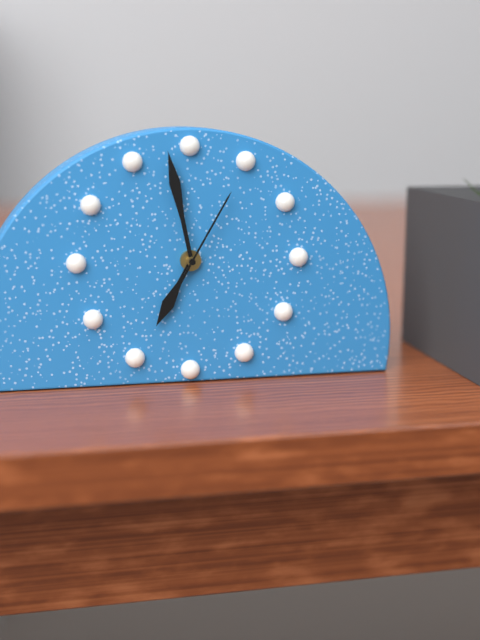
6:58:05
